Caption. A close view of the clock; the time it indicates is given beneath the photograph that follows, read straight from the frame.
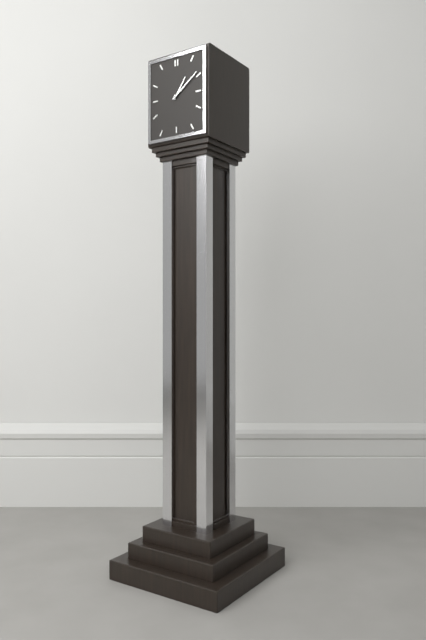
1:09
